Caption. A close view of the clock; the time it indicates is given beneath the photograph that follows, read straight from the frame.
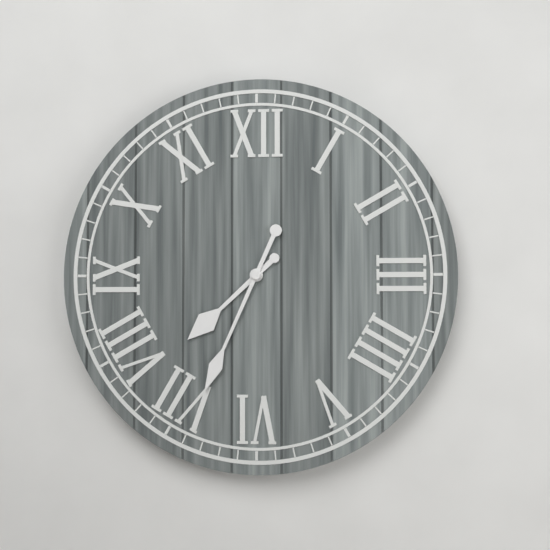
7:34
